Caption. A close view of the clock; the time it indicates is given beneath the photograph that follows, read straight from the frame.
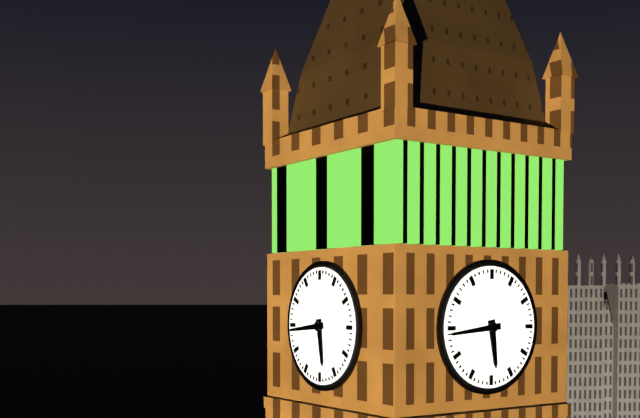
5:44
